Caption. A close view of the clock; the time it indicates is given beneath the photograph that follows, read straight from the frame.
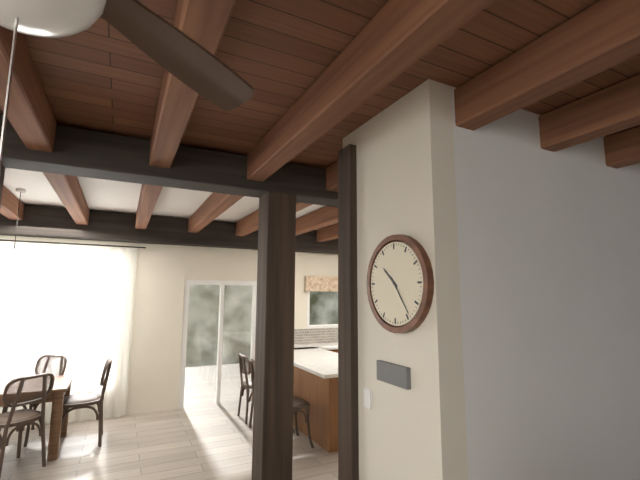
10:24
